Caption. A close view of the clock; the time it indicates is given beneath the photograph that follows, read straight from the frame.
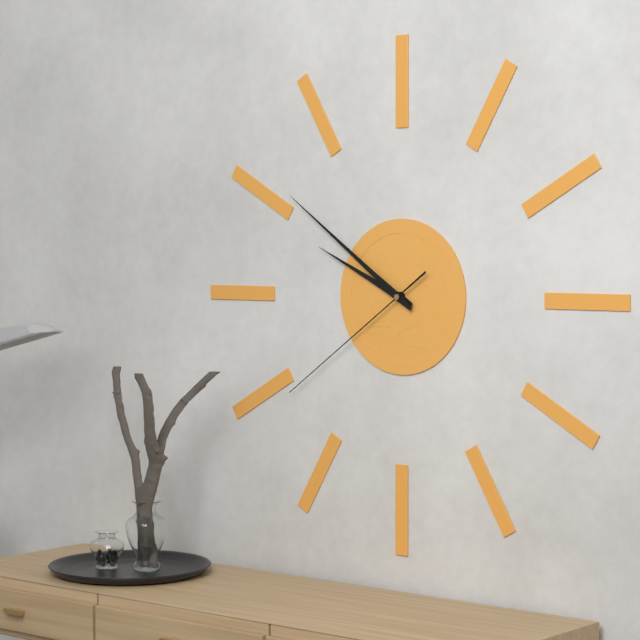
9:51:39
